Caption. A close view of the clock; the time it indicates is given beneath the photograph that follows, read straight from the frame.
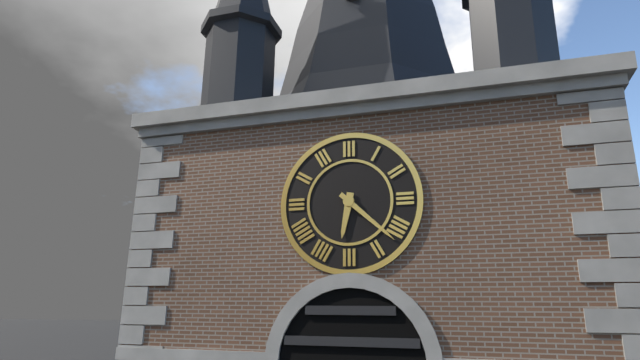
6:22
